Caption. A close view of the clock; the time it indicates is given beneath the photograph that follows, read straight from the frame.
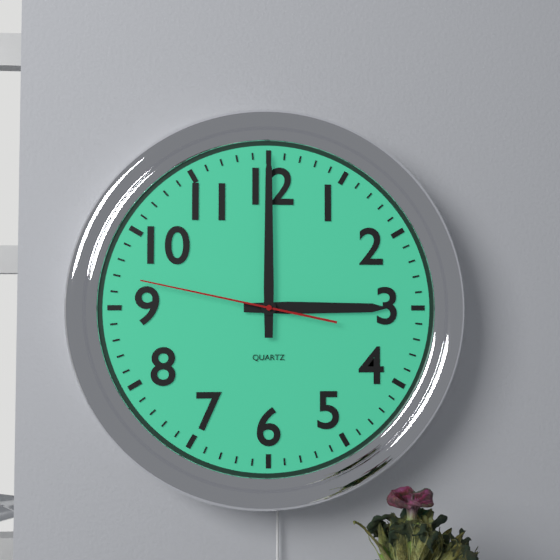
3:00:47
